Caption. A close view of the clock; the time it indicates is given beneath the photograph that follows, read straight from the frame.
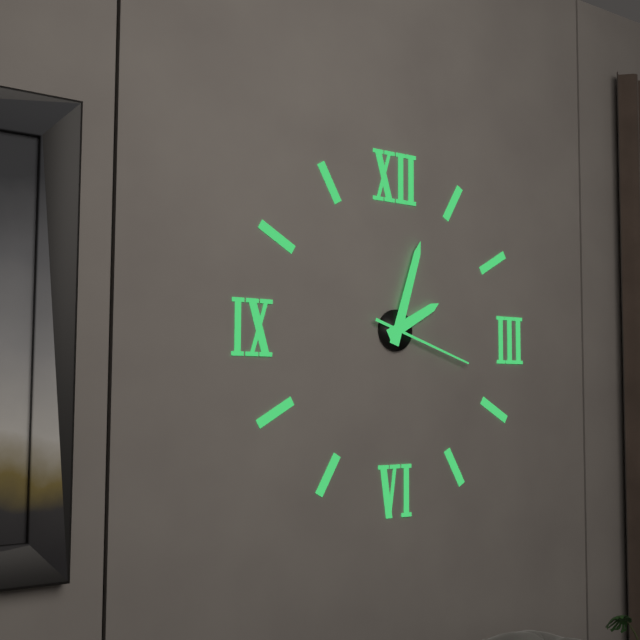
2:03:18
